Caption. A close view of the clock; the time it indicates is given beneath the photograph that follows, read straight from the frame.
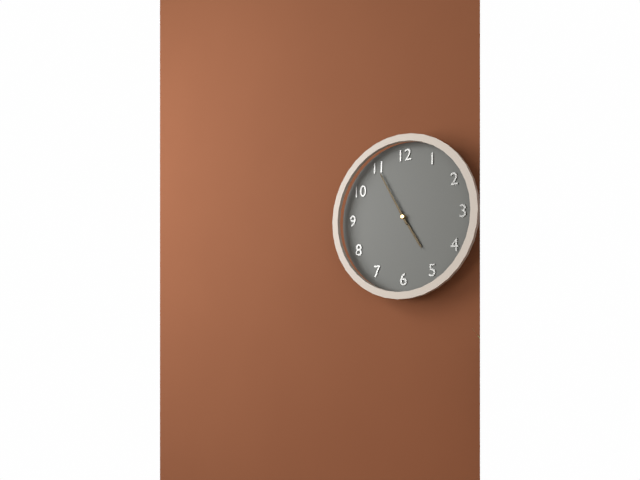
4:55
